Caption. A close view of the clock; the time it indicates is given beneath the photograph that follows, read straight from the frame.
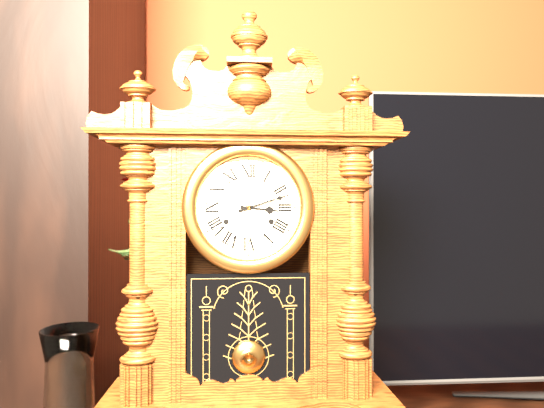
3:12
